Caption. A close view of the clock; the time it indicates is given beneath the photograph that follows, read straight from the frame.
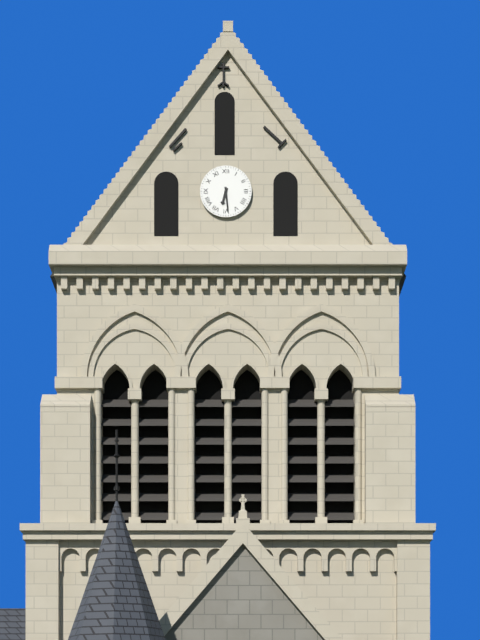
6:29
